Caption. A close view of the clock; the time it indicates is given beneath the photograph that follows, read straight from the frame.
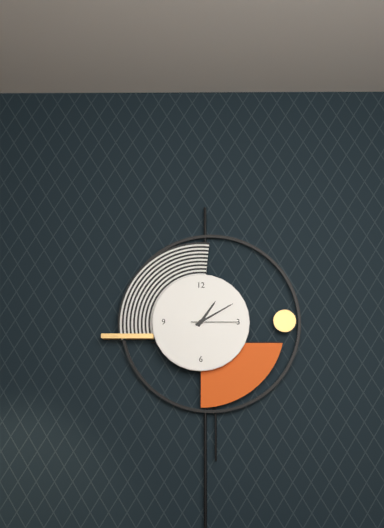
1:10:15
